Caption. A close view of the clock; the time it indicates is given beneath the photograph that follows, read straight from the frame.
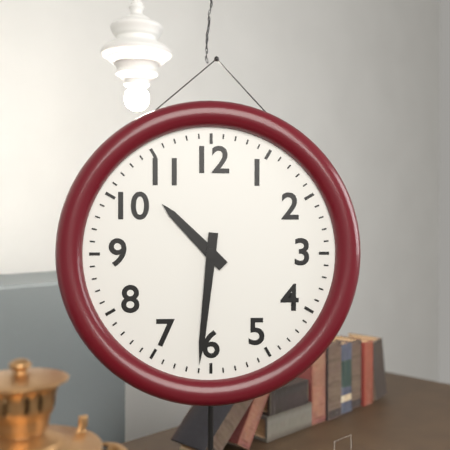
10:31
